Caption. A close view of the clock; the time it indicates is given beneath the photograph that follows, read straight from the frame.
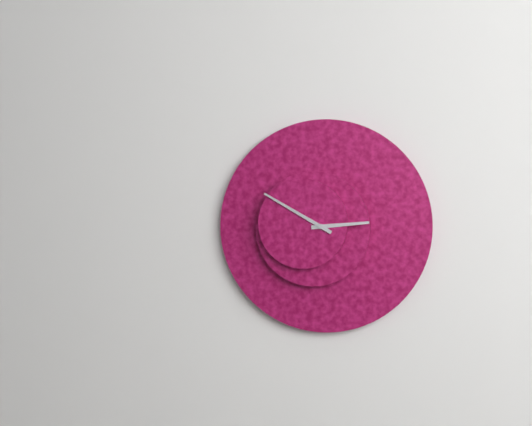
2:50
